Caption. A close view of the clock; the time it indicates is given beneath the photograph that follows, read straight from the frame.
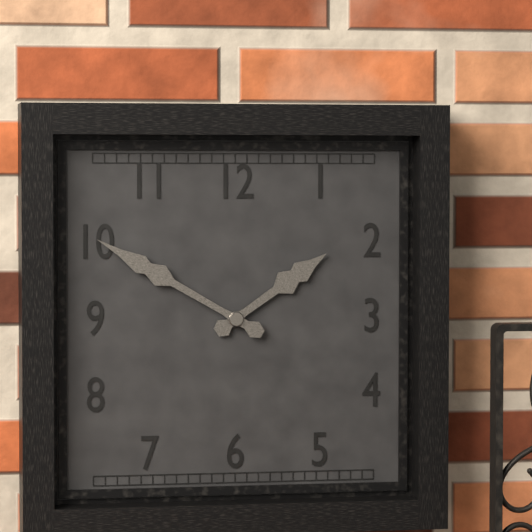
1:50
